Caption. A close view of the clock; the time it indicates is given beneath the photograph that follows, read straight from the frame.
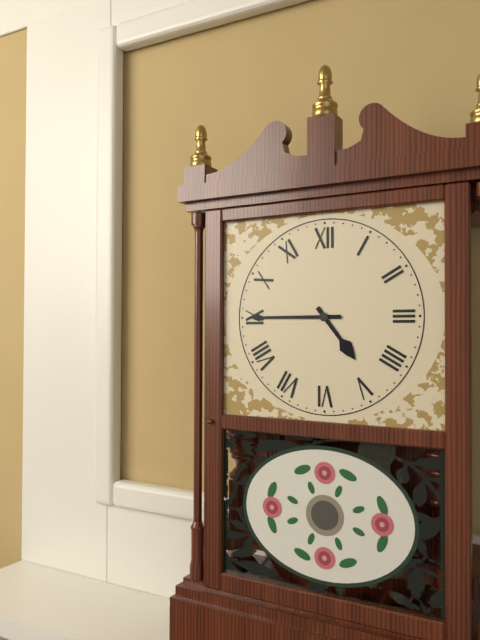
4:45
